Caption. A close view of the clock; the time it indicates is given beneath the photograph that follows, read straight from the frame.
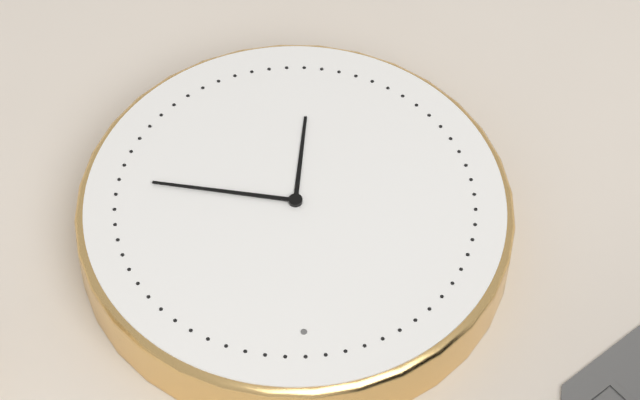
6:17
